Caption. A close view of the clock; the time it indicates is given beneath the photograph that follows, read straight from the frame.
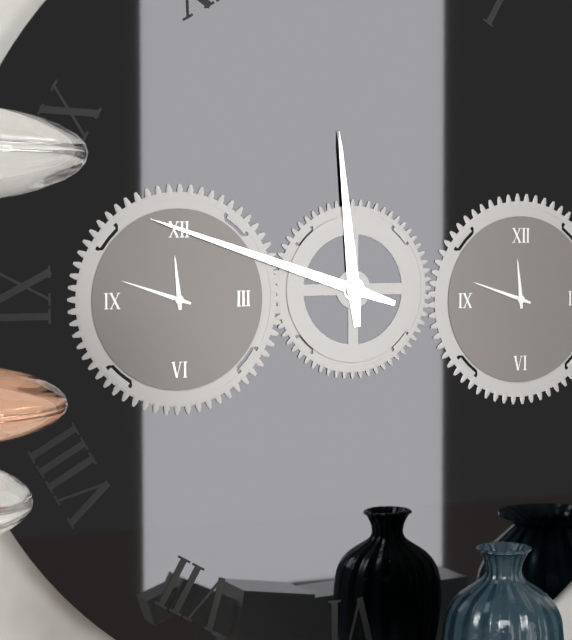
11:48
